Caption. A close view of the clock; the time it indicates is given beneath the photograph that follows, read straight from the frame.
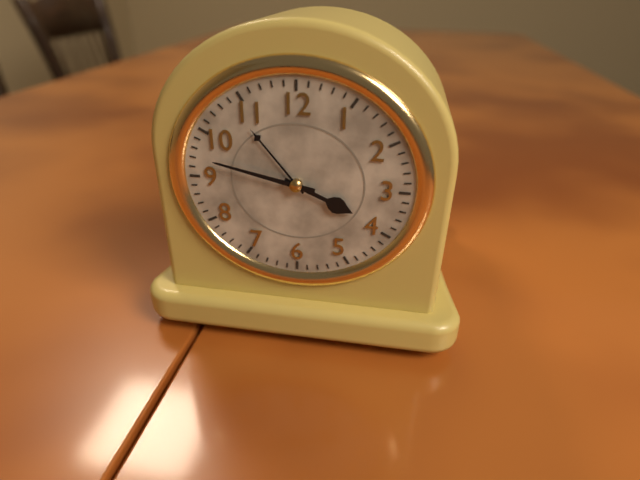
3:47
